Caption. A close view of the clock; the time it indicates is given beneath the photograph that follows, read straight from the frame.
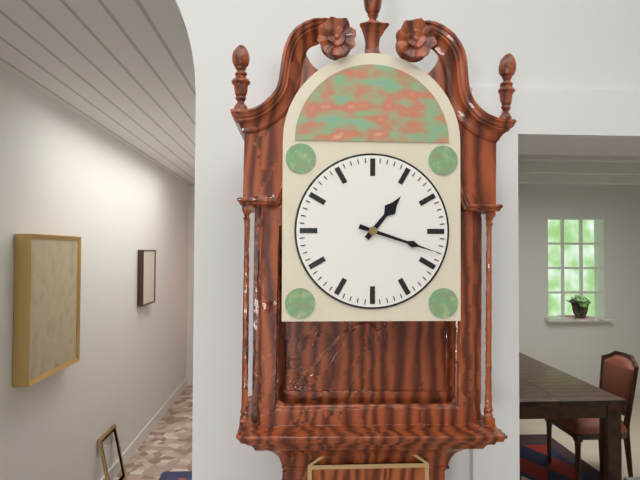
1:18
